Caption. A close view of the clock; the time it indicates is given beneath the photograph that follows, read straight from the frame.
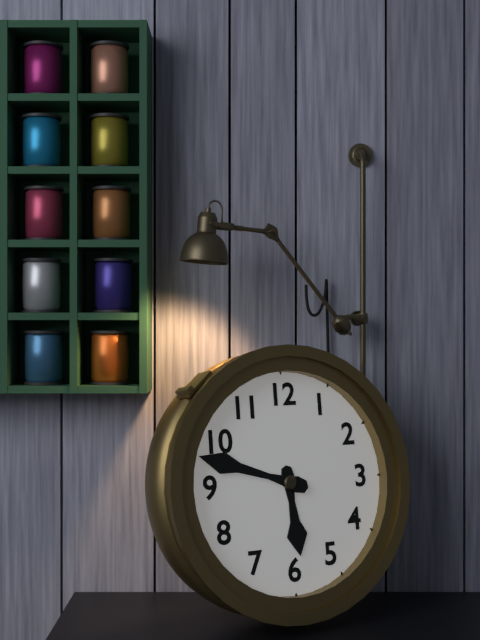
5:48
